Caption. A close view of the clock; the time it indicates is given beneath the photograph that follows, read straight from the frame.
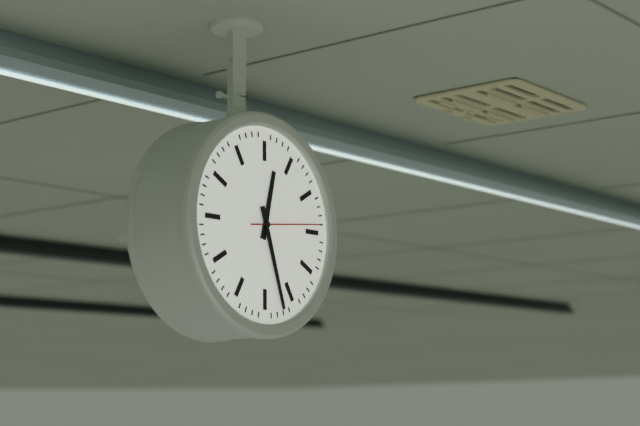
12:27:14
